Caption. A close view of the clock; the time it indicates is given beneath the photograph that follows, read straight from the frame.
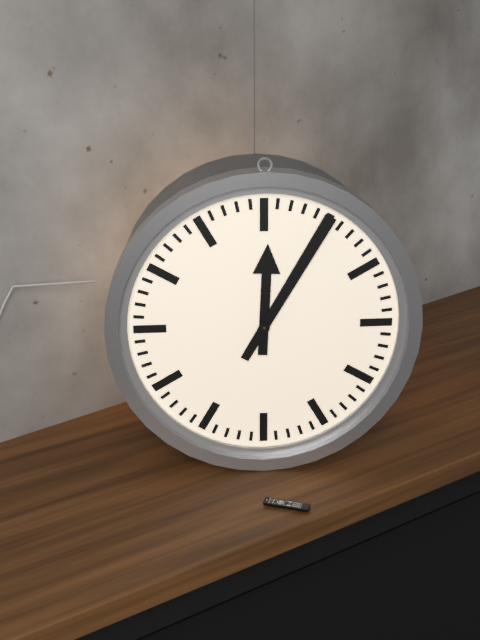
12:05
